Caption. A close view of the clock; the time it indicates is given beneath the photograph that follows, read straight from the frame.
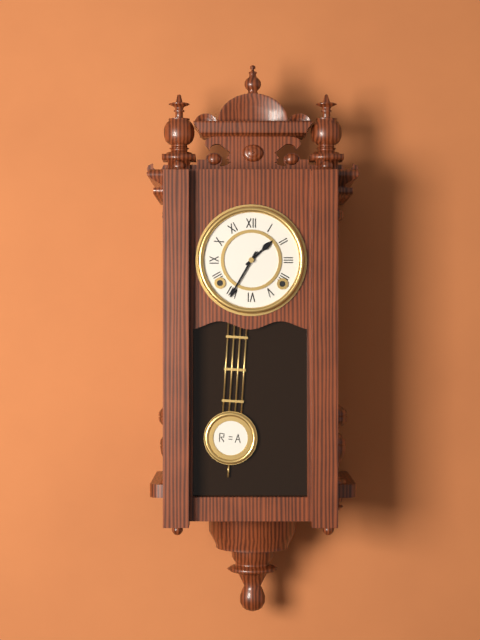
1:35
